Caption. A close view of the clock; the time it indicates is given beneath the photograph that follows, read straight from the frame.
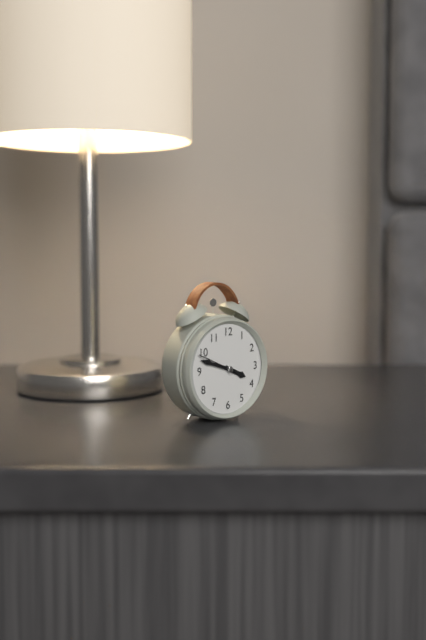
3:48
